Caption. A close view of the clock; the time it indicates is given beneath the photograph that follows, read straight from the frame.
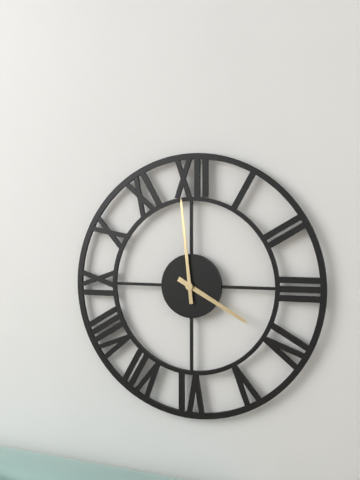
3:59
